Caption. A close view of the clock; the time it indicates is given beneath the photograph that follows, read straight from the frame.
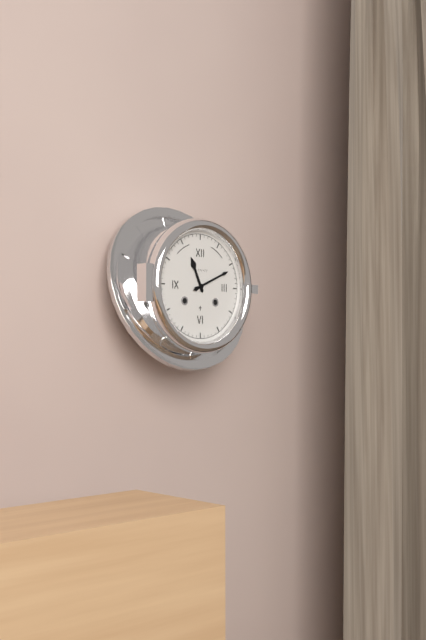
11:11
